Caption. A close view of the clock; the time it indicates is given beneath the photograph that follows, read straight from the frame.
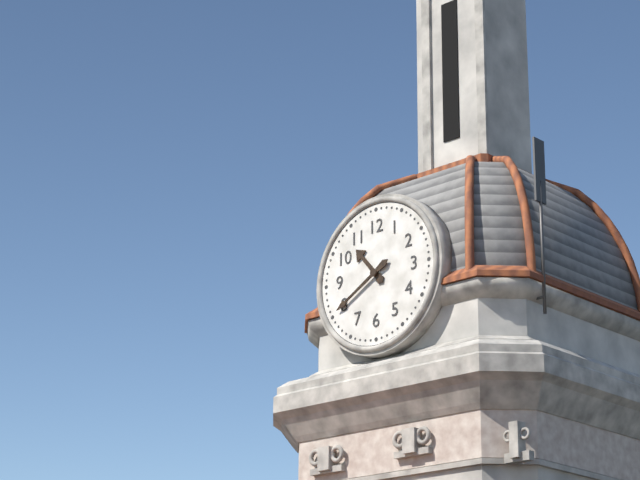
10:40
